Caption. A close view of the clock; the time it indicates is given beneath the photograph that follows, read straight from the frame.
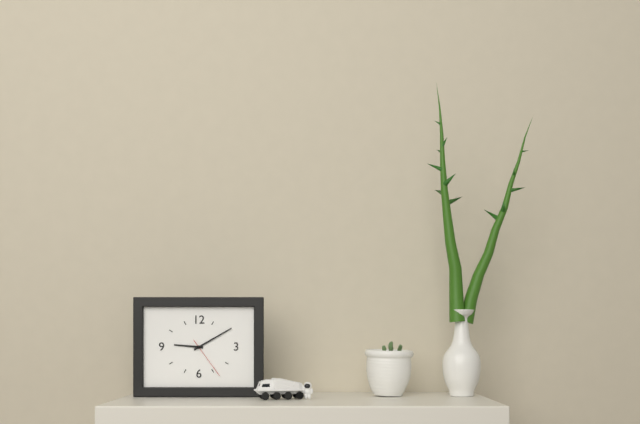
9:10
